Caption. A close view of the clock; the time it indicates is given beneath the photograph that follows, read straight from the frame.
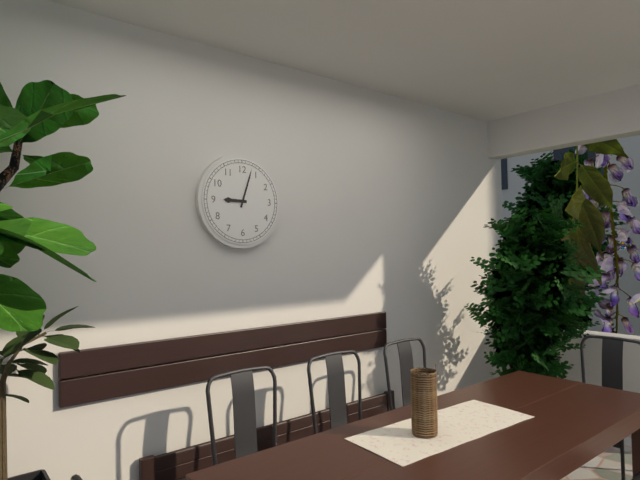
9:03
